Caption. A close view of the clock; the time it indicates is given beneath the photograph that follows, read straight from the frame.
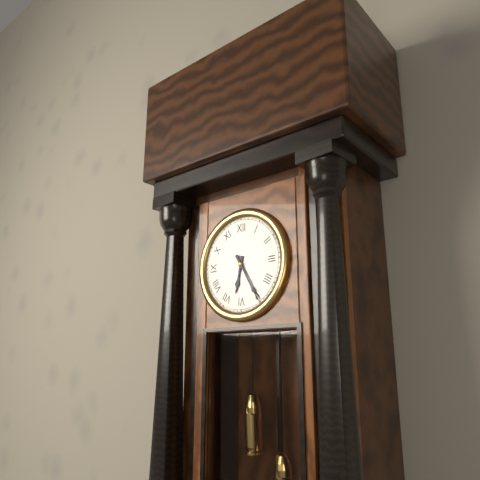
6:25
